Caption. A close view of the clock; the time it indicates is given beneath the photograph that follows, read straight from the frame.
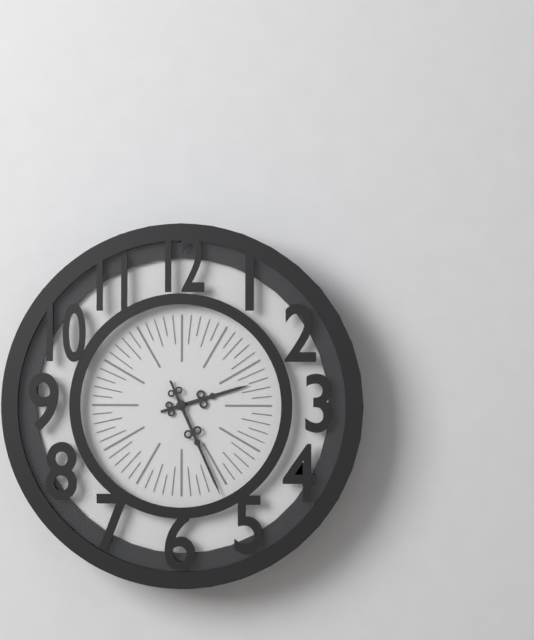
2:26
